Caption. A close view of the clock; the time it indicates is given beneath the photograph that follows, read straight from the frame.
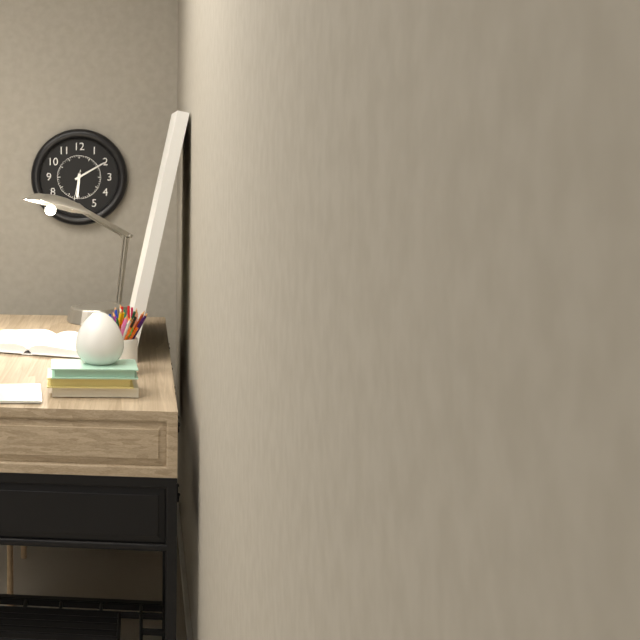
6:10
